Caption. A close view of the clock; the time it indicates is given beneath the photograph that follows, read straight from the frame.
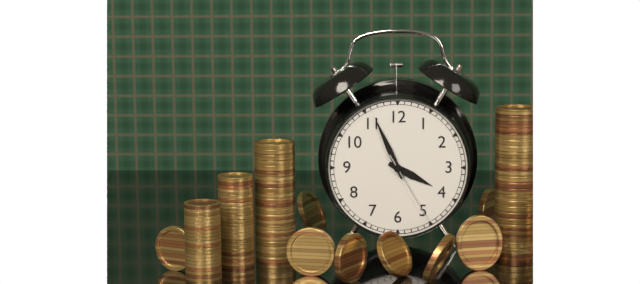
3:56:25
